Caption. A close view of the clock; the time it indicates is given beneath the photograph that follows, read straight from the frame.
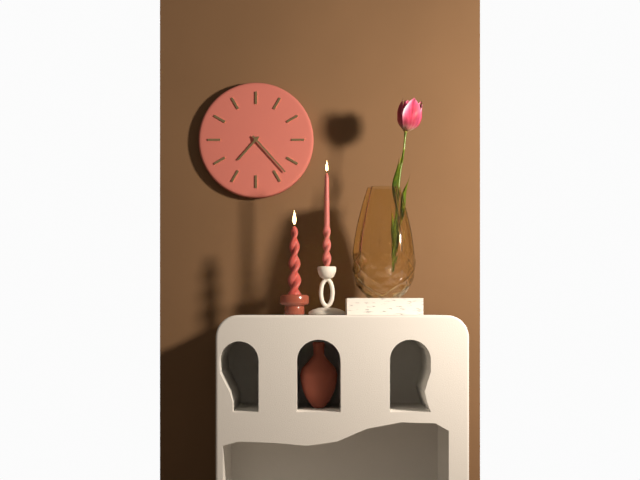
7:23
